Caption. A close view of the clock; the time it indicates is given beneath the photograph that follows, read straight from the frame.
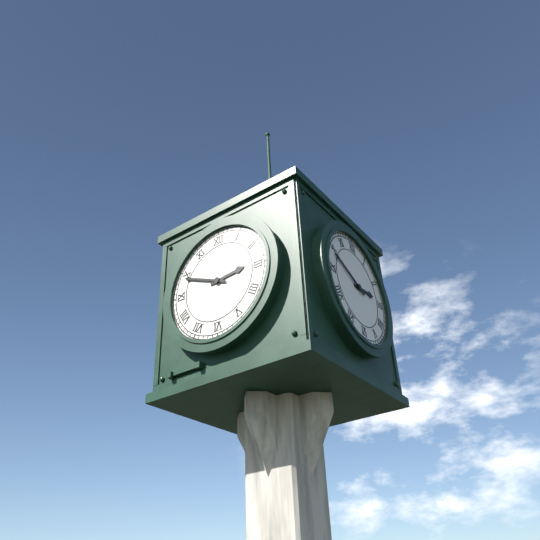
2:49
